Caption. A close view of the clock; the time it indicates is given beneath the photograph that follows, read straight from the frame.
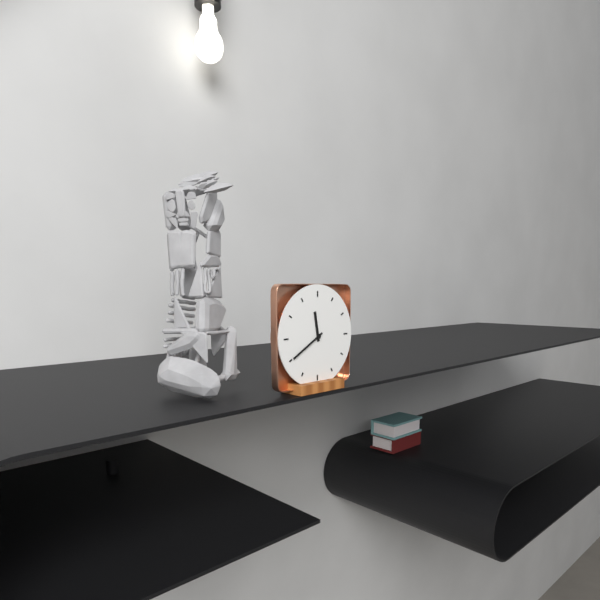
11:40
